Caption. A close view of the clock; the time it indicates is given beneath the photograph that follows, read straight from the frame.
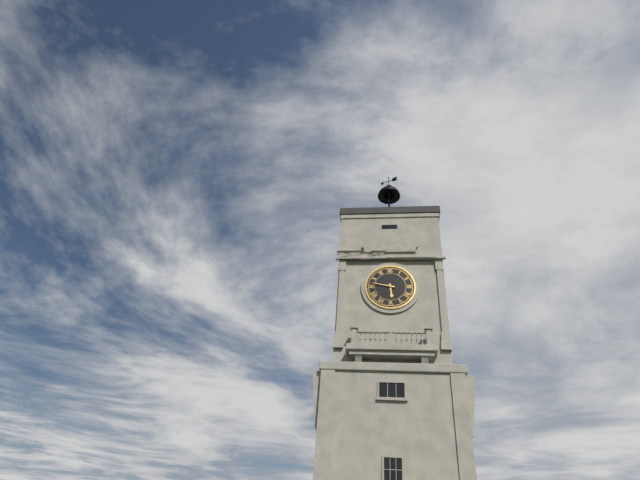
5:47
